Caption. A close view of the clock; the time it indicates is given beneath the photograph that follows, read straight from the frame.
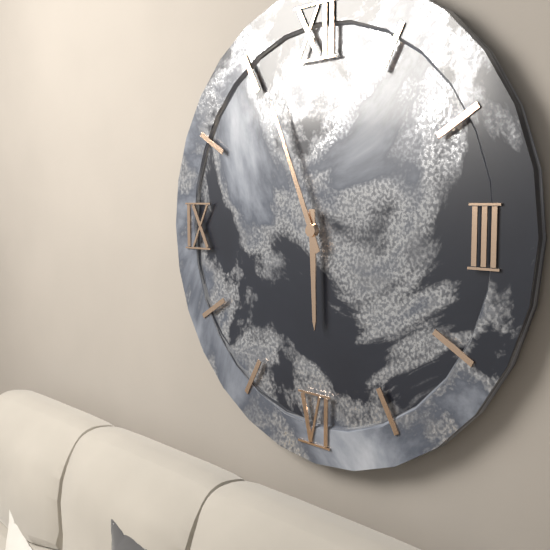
5:56
